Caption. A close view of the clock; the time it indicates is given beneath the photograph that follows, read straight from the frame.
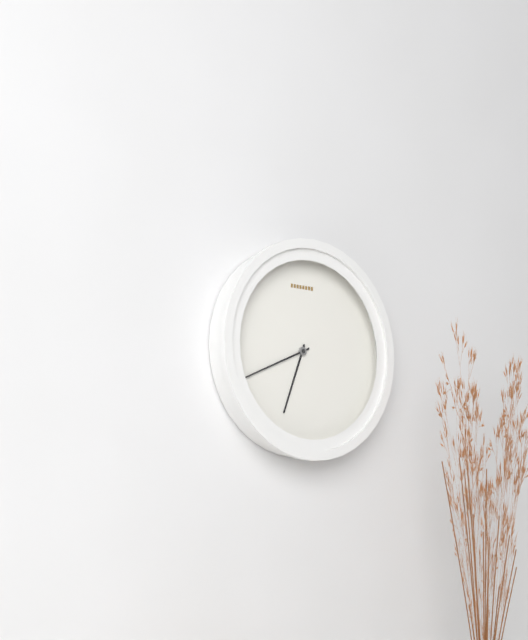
6:41
